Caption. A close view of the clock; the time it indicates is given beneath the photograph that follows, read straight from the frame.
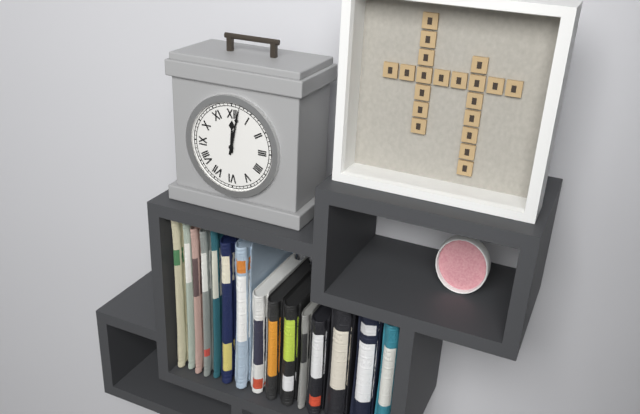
12:02
